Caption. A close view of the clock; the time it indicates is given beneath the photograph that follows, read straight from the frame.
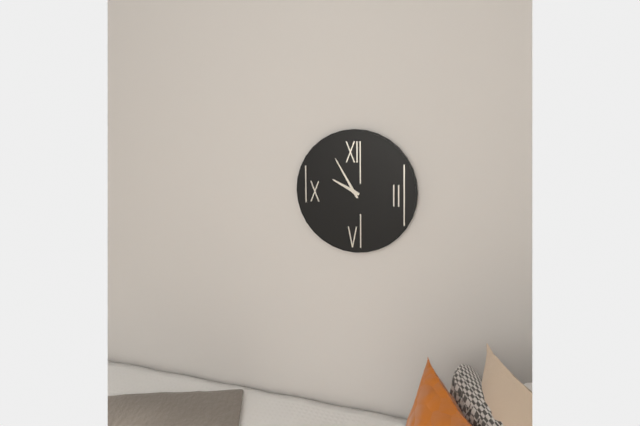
9:55
